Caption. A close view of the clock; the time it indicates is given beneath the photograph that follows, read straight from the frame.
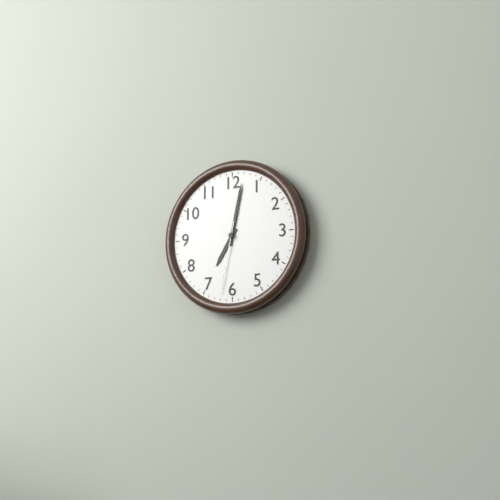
7:02:32
